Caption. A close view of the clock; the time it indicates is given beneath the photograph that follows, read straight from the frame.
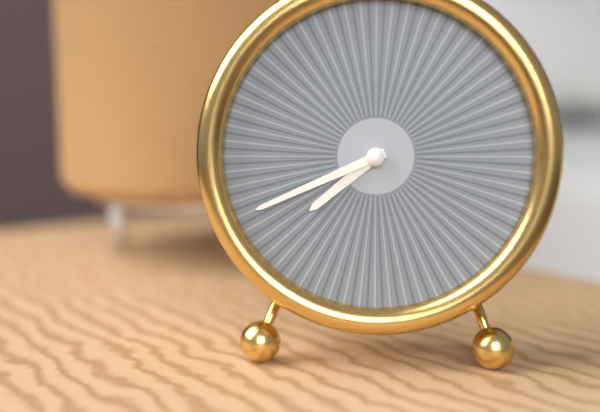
7:41
